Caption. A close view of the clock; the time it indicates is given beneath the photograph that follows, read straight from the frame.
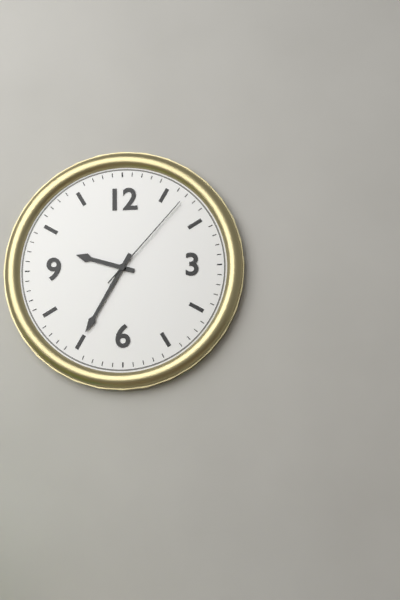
9:35:07
